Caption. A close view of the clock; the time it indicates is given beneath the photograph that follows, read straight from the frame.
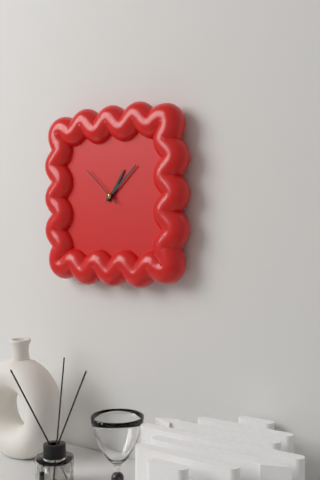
1:08
